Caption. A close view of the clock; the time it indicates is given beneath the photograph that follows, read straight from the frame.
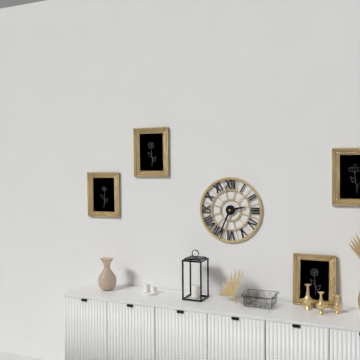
2:34
